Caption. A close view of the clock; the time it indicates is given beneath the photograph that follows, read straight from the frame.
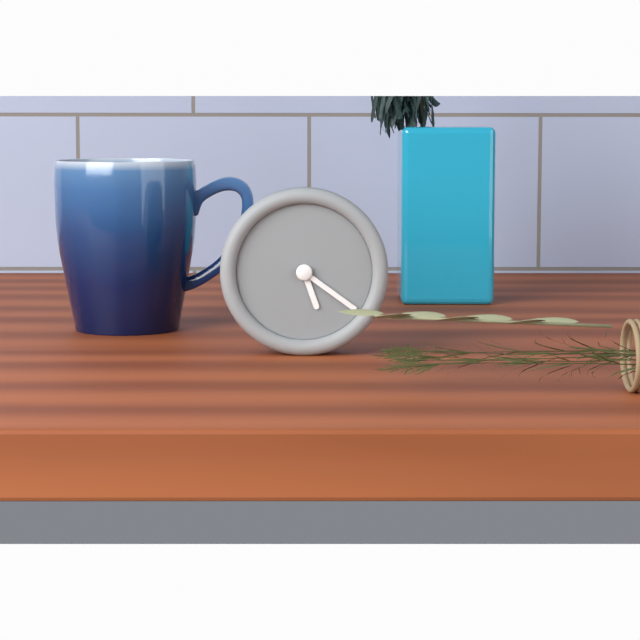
5:21
